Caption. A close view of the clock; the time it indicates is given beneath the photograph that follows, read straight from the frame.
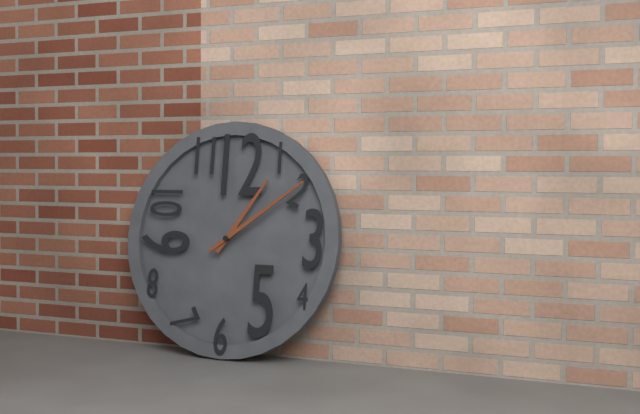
1:09
